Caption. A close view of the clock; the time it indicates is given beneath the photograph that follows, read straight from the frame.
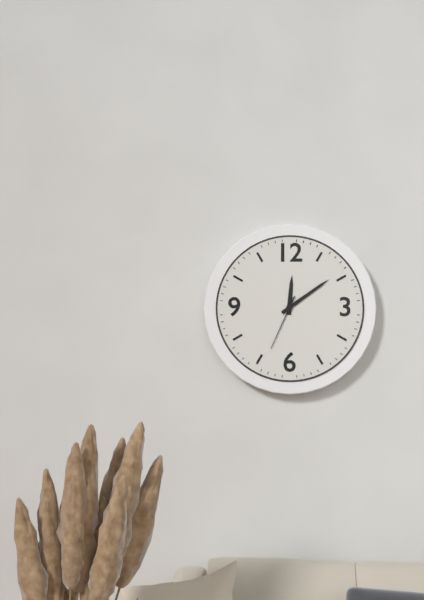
12:09:34
